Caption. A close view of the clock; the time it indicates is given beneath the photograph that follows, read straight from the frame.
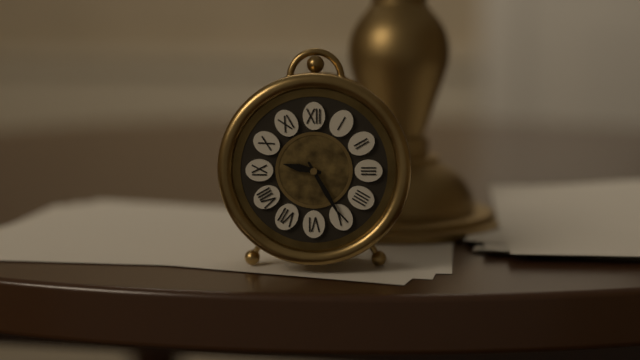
9:25
